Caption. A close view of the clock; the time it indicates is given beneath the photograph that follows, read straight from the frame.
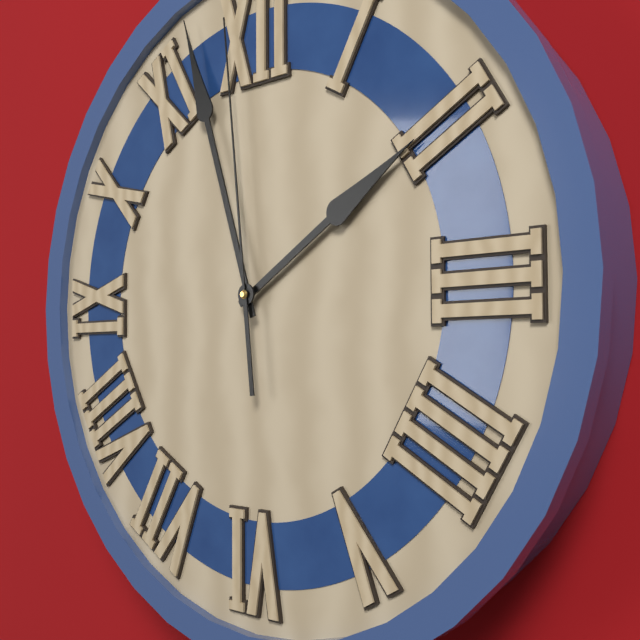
1:57:59
